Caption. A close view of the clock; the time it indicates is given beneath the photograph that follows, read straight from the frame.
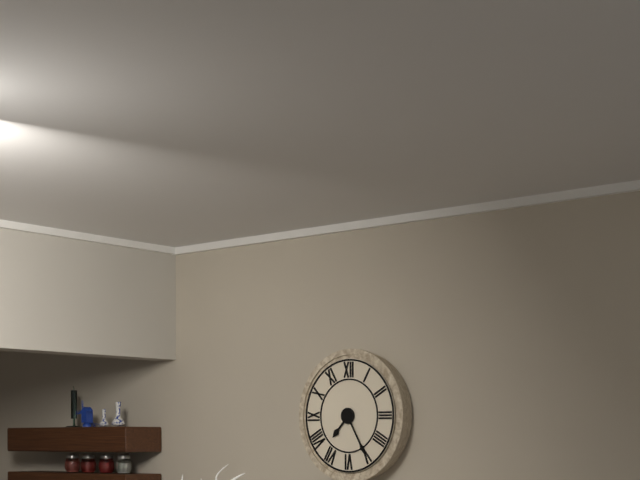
7:25
